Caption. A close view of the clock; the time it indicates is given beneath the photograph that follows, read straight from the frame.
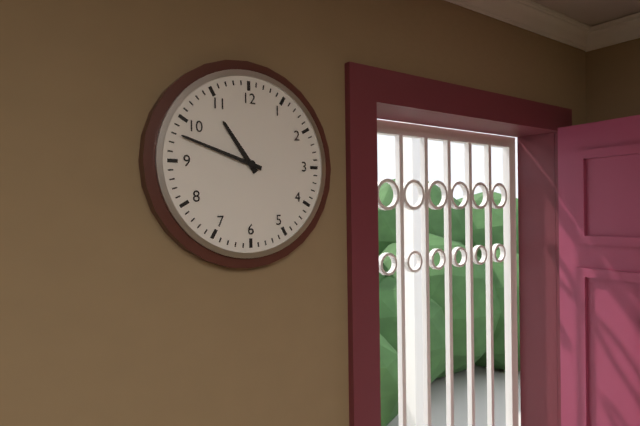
10:48
